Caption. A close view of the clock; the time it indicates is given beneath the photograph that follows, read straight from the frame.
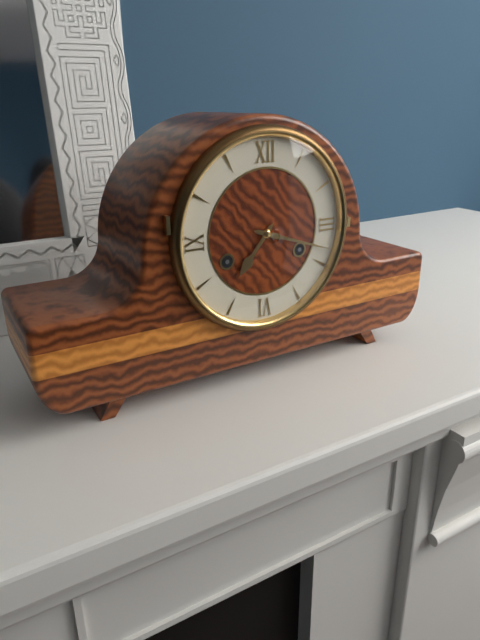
7:18
